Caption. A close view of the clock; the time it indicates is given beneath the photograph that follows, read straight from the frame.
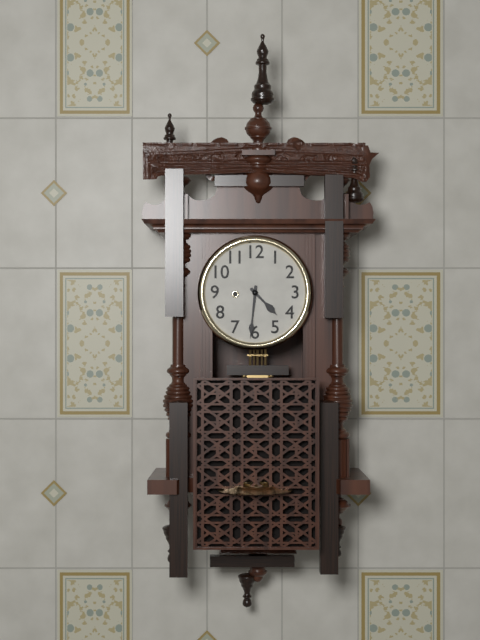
4:31
